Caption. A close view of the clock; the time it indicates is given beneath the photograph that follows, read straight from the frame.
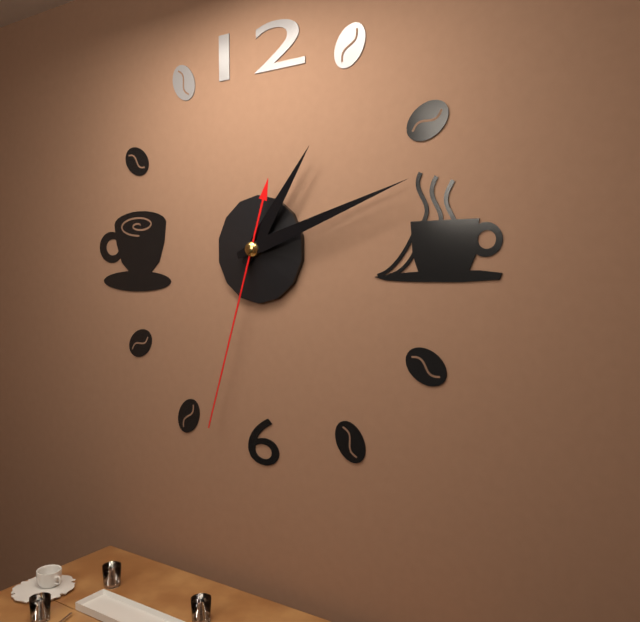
1:12:33
